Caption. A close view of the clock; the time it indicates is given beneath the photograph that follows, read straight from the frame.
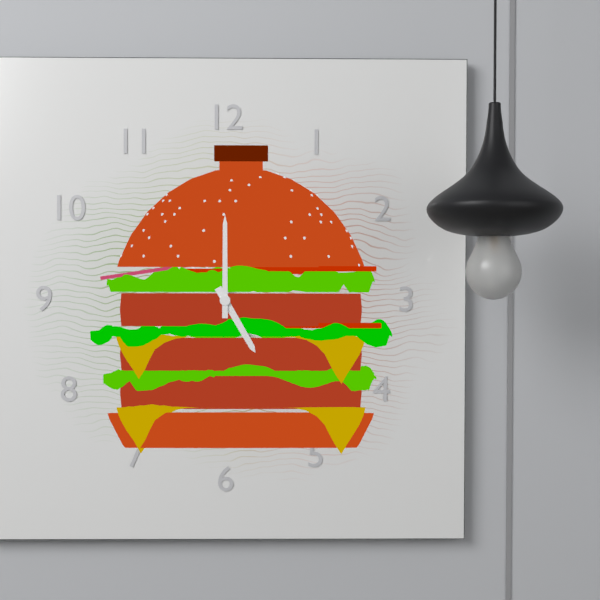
5:00
